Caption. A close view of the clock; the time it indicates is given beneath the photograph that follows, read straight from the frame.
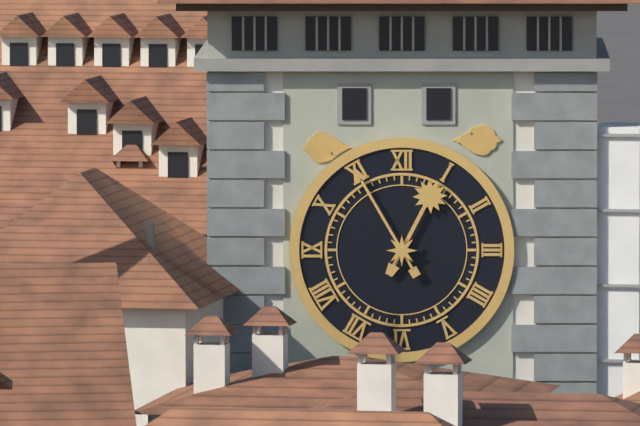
12:55
